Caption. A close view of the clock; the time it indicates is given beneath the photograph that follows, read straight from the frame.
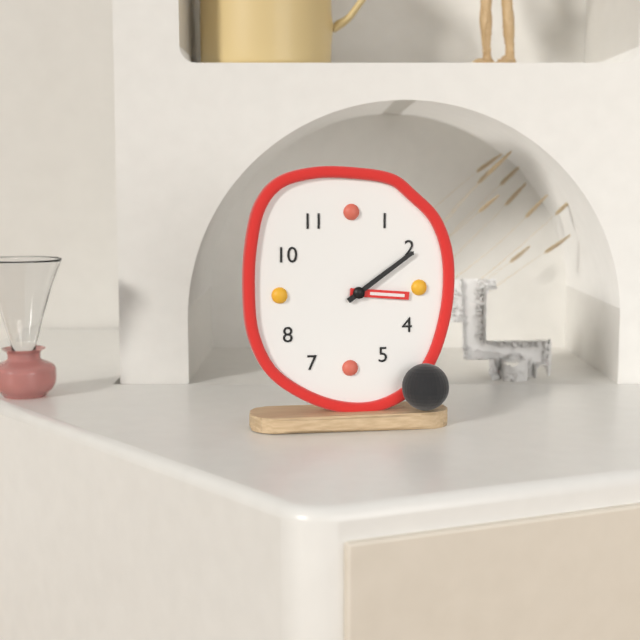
3:09
